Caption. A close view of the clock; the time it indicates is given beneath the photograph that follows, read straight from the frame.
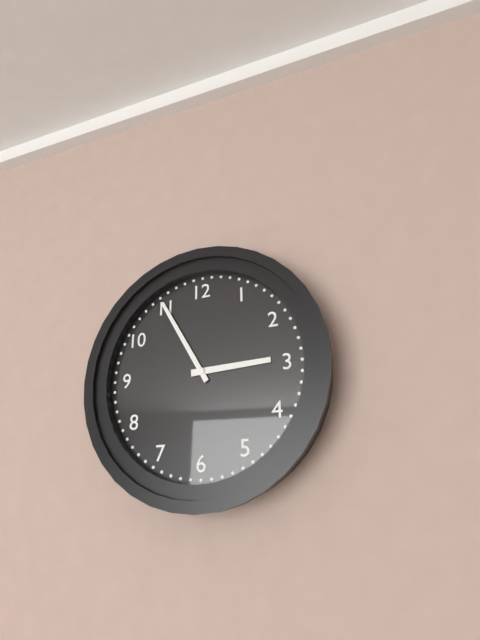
2:55
